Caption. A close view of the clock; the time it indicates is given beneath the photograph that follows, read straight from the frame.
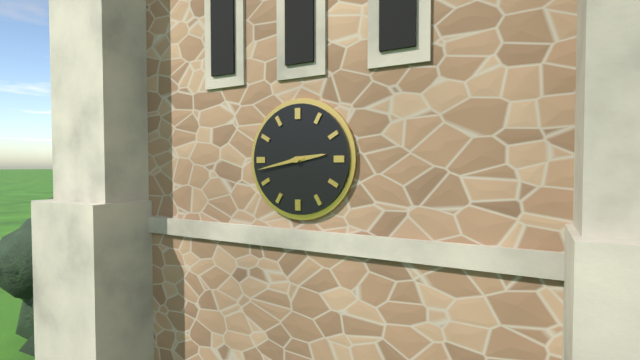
2:43
